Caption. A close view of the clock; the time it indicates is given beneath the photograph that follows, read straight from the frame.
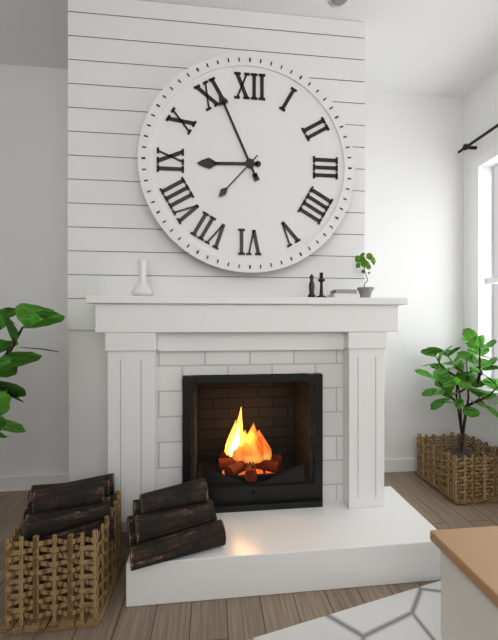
8:56:37
